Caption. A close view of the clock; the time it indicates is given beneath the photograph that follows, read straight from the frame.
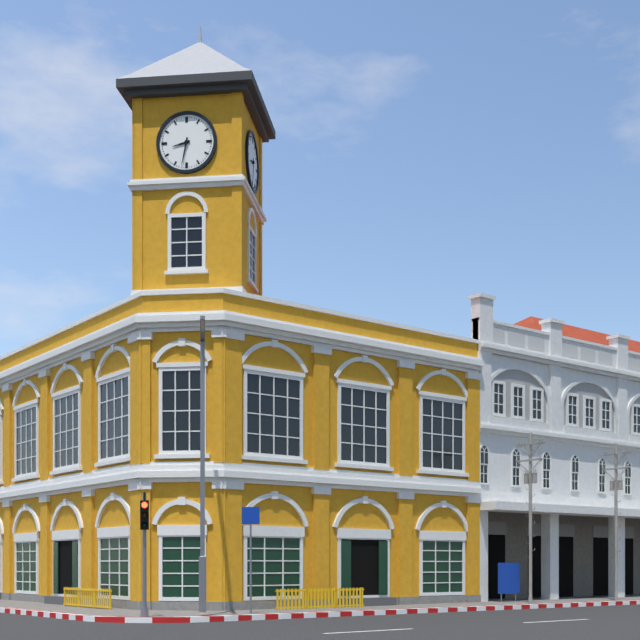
8:32
